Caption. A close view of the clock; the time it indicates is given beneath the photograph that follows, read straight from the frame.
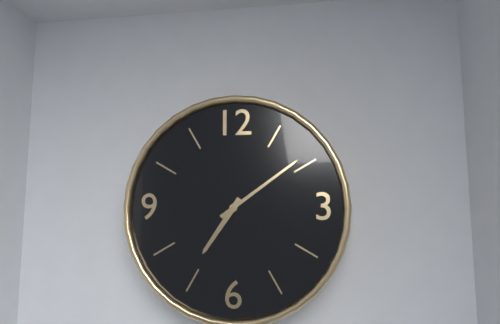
7:09
